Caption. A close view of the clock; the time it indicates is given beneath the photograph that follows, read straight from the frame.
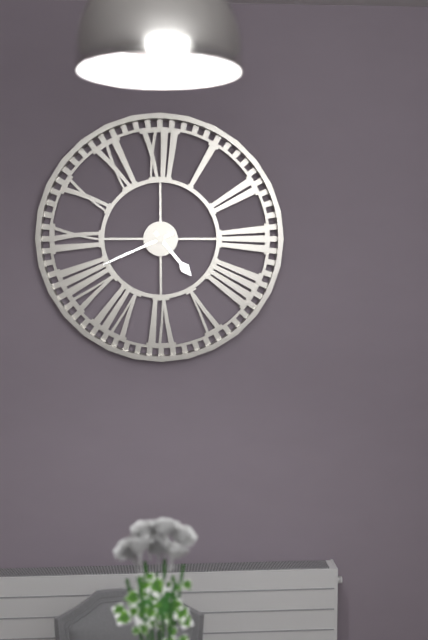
4:41
